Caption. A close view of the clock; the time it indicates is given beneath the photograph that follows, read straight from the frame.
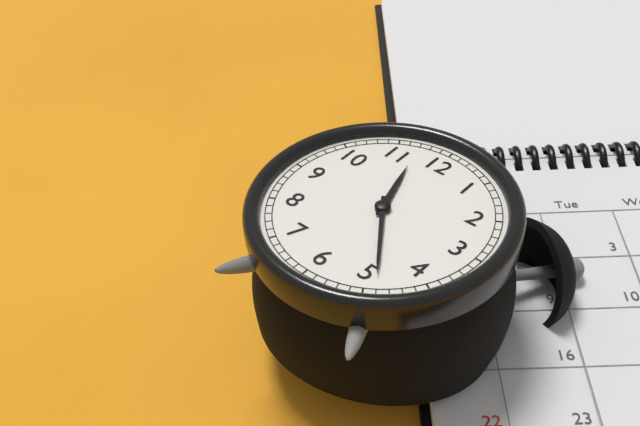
11:24
